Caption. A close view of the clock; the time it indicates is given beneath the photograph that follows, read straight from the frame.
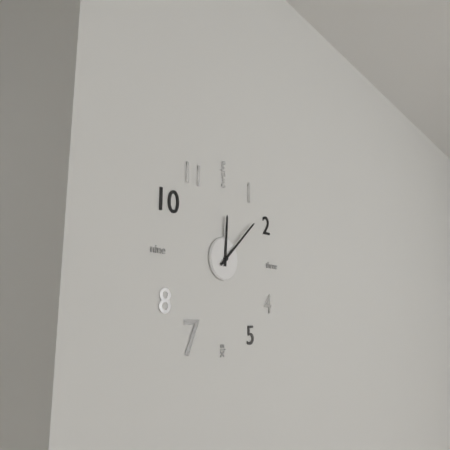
12:08
